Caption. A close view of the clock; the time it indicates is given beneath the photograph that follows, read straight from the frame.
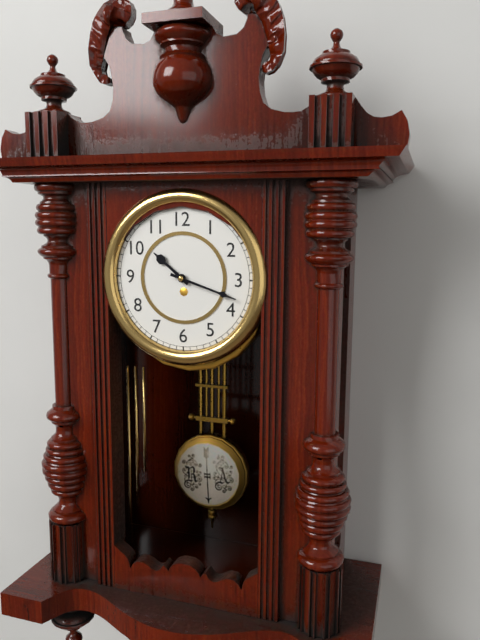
10:18
